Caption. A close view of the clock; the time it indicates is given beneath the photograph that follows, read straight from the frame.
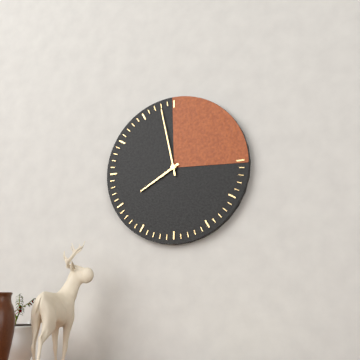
7:58
